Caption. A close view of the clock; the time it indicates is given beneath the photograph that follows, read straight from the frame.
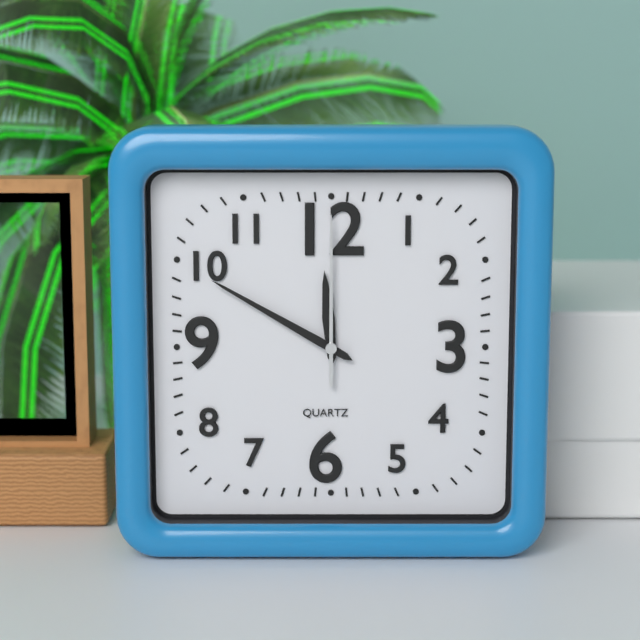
11:50:00
